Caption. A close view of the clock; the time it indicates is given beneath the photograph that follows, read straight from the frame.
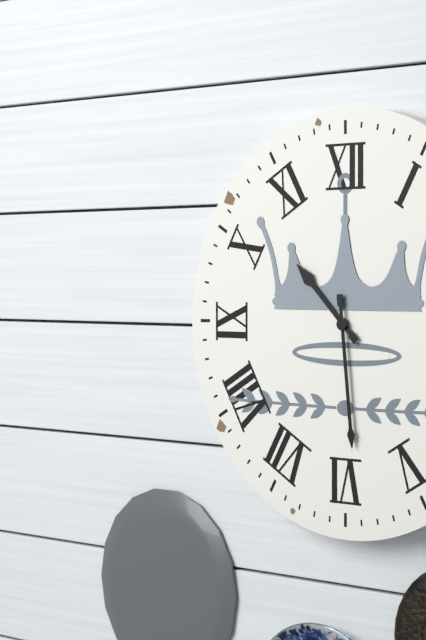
10:29
